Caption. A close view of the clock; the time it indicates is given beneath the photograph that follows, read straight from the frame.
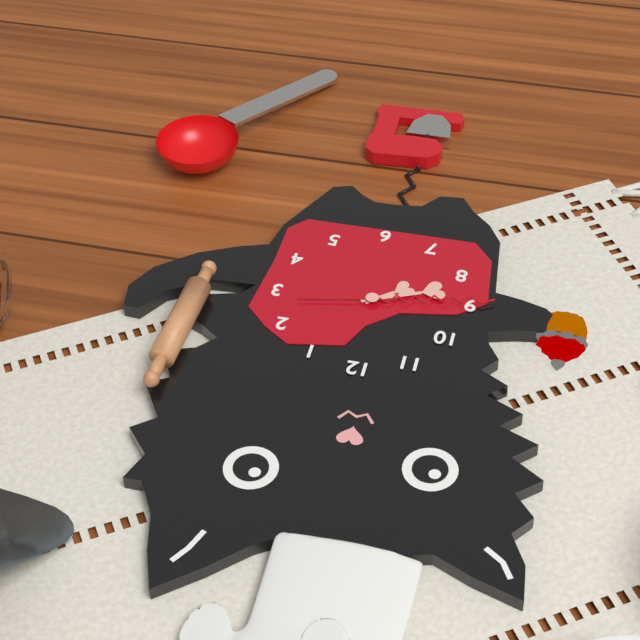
7:41:43
